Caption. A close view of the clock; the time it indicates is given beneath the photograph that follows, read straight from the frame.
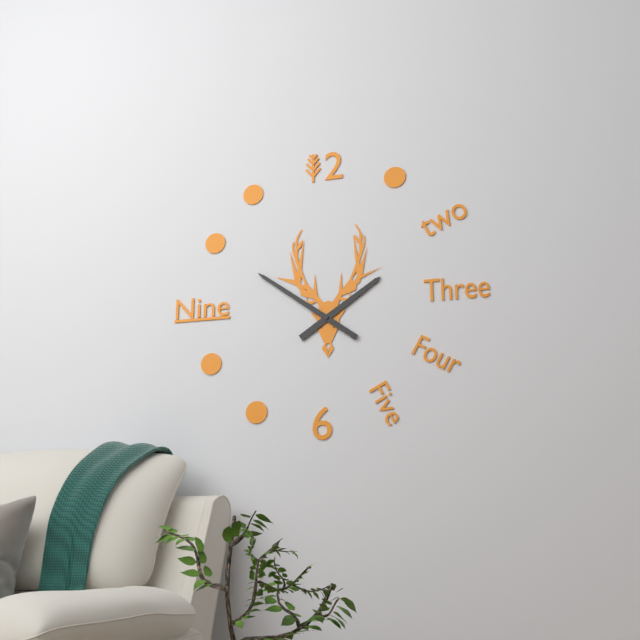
1:51
